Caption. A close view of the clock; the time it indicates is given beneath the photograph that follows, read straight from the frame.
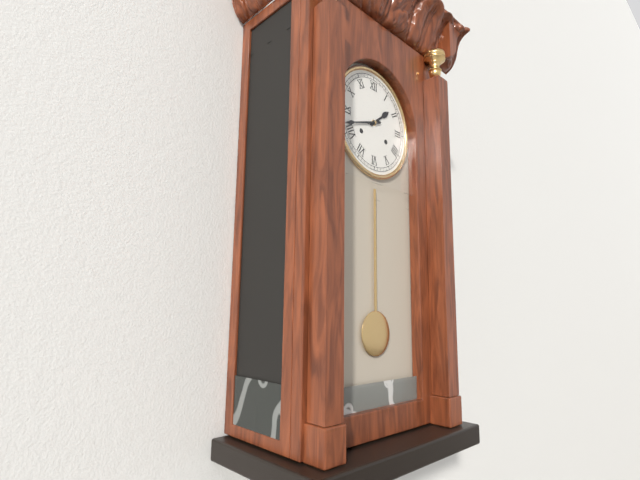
1:42
